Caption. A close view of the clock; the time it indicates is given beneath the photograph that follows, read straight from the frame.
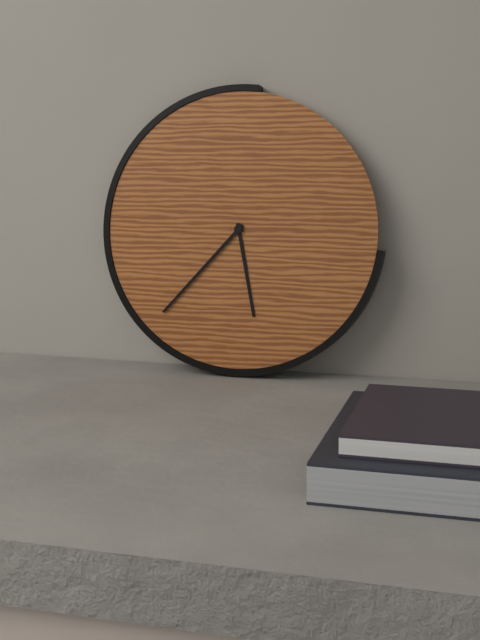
5:37
